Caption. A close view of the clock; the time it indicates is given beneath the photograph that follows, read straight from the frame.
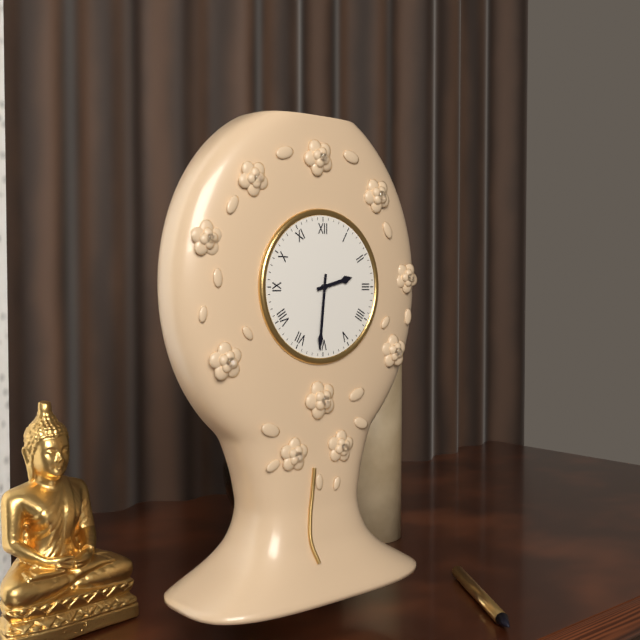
2:31
